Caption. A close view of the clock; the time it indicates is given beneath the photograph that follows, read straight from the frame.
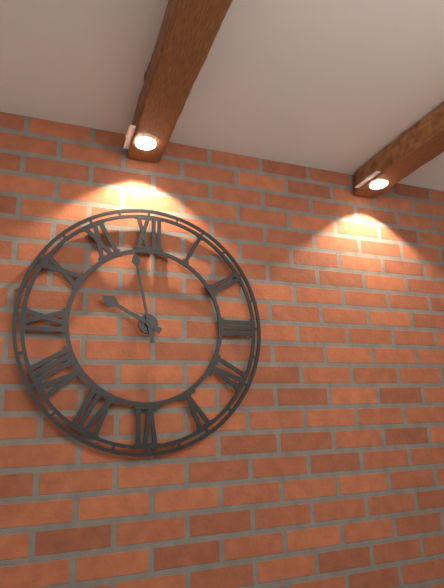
9:58
